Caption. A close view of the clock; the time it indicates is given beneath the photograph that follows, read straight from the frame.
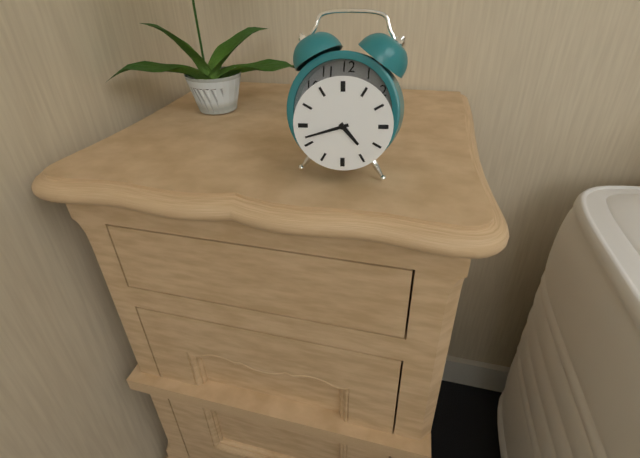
4:42
